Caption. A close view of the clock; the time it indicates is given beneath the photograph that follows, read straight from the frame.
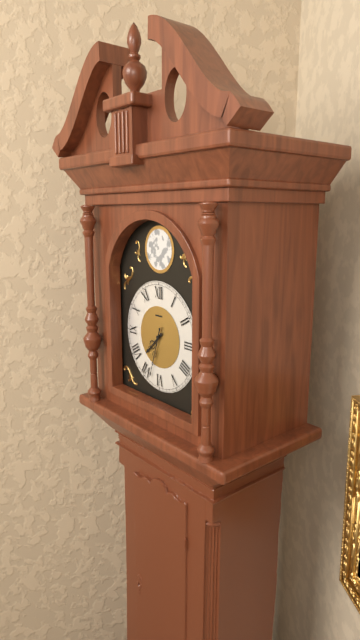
7:33
